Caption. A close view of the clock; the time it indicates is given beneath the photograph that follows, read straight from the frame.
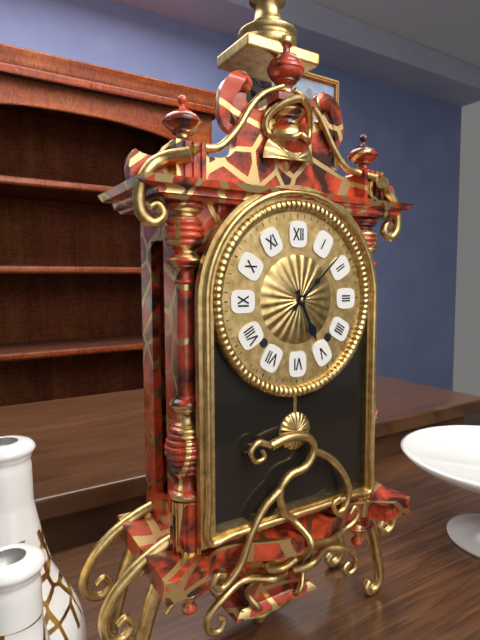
5:08
